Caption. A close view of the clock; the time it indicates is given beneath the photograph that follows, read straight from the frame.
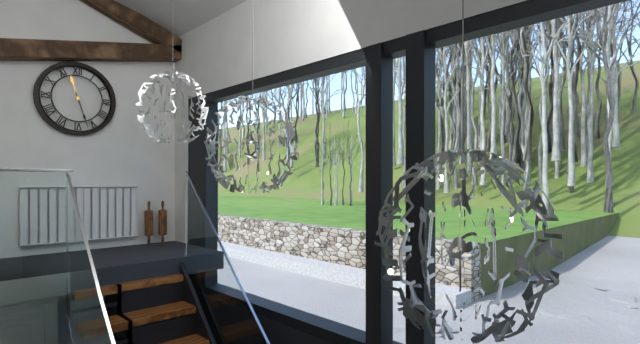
11:27
